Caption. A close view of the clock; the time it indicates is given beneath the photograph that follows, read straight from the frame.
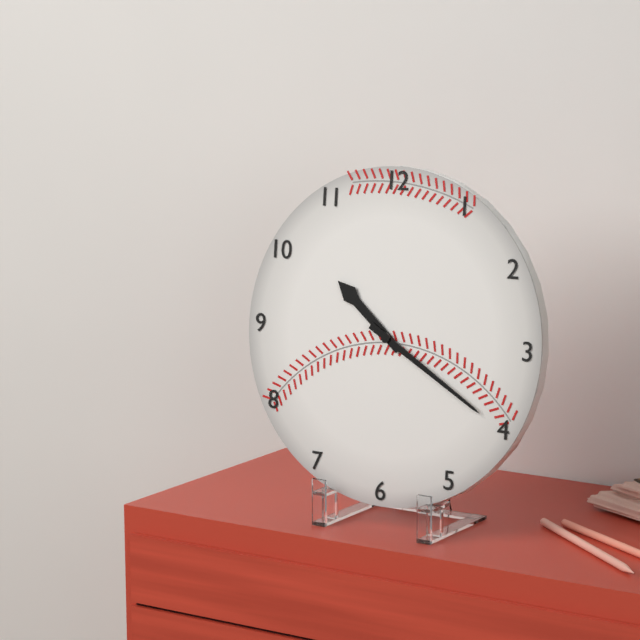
10:20
